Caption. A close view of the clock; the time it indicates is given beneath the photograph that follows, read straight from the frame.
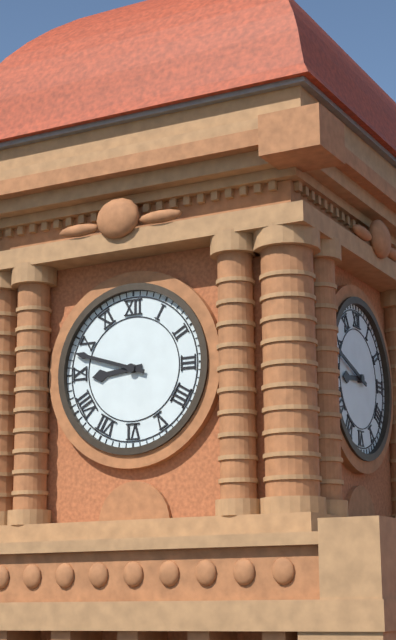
8:48
